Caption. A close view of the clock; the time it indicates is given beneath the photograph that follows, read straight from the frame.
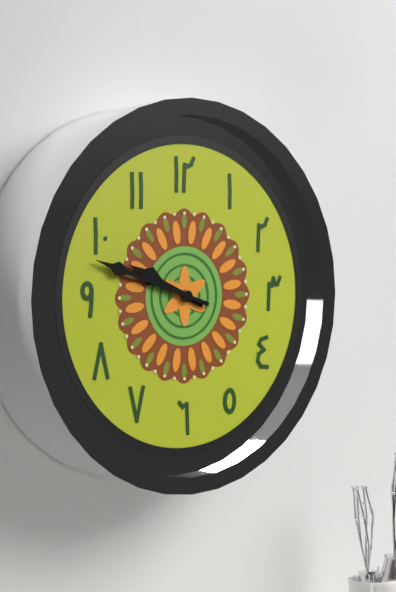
9:48
